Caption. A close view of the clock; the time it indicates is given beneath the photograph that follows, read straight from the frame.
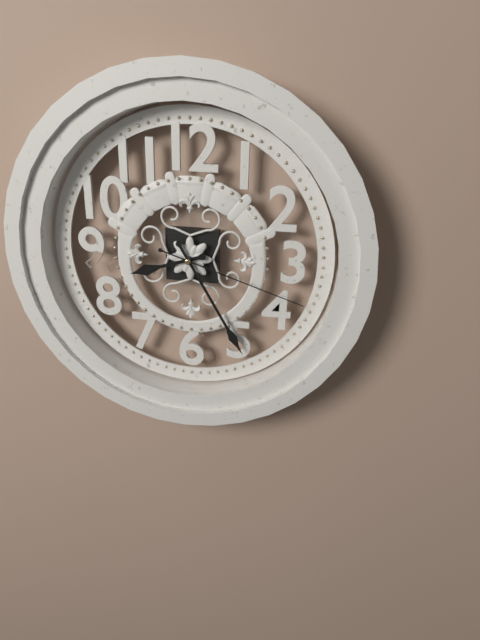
8:25:18
